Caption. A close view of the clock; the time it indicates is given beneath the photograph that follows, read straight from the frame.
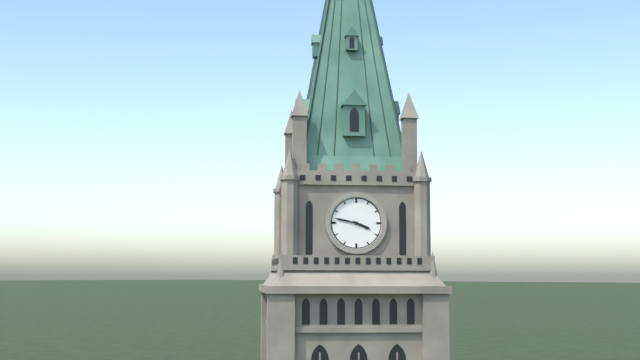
3:47
